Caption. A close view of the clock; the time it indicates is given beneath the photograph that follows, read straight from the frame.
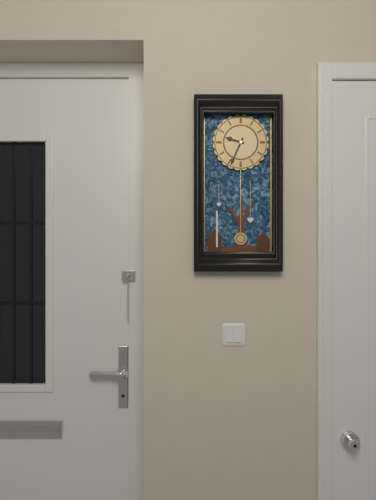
9:34
